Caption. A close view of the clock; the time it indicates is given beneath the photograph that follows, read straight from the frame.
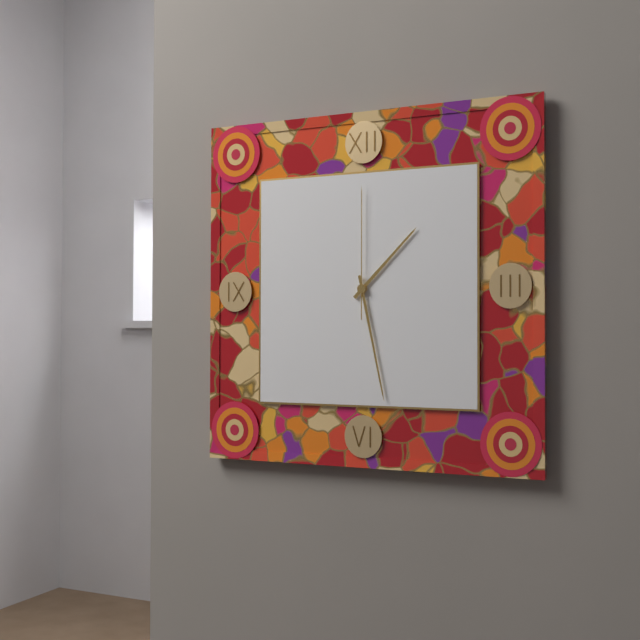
1:28:00
